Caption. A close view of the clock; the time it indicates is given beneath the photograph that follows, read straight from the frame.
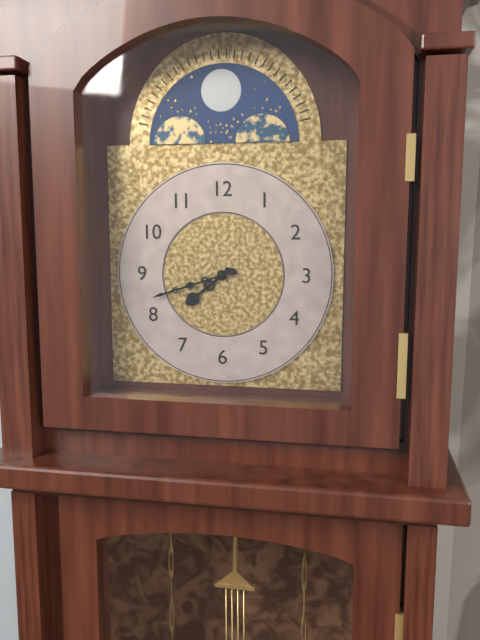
7:42
